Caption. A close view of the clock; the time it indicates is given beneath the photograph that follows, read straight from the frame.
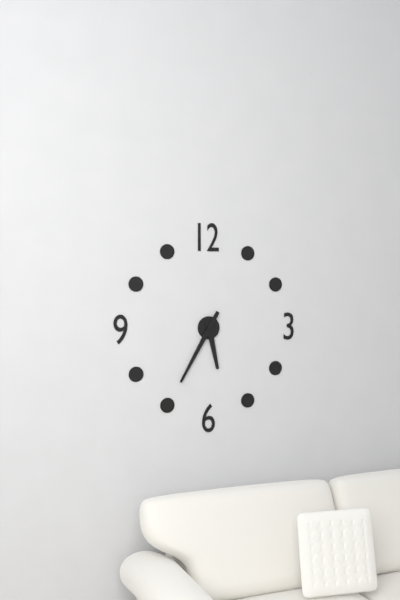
5:35
